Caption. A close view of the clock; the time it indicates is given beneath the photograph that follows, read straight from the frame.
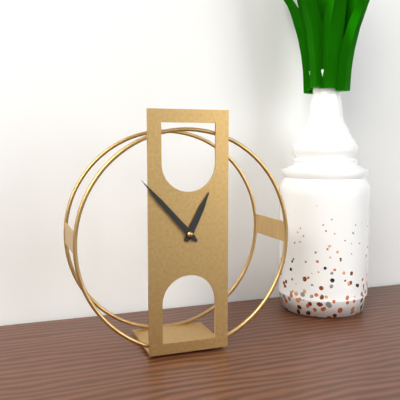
12:53
